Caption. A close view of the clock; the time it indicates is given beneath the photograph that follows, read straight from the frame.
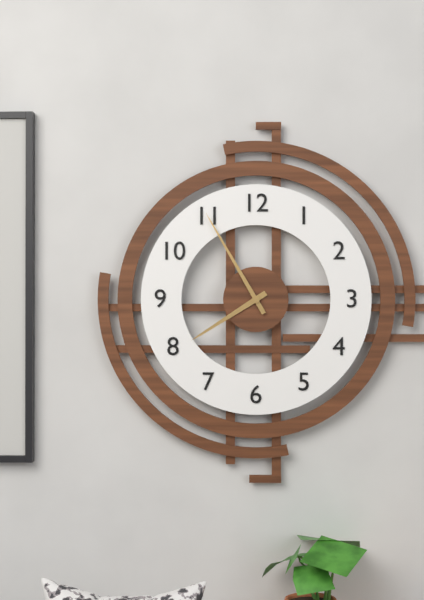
7:55
